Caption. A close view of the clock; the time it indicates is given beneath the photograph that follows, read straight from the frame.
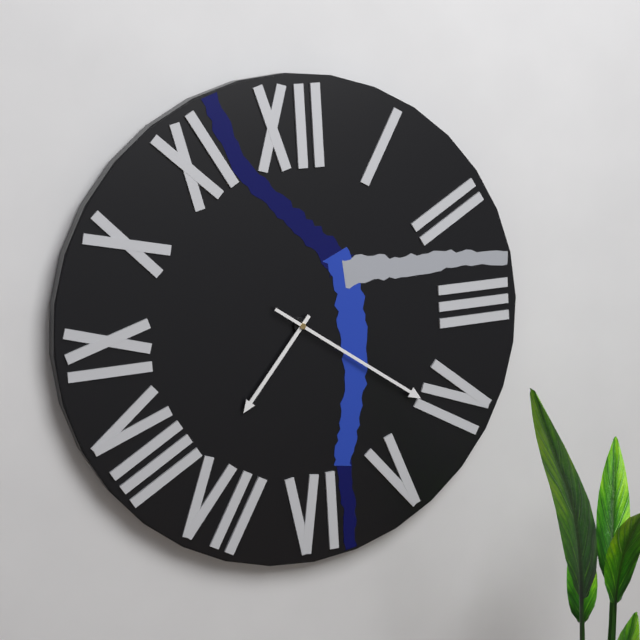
7:21
